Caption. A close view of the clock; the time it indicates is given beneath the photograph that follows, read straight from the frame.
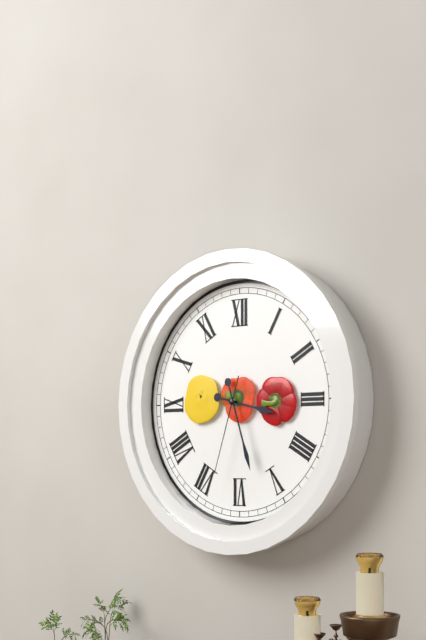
3:27:33
